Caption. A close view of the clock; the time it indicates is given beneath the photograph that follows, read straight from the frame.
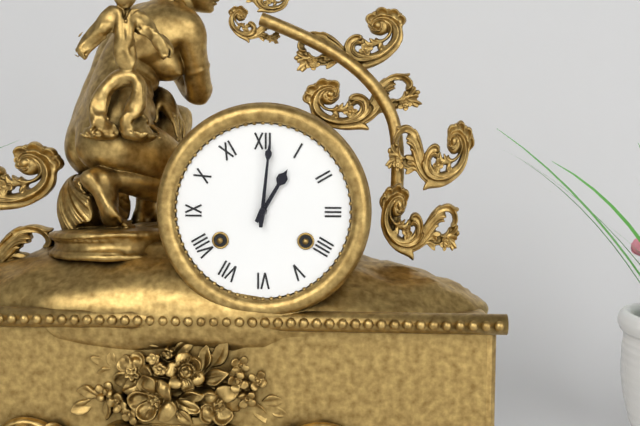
1:01
